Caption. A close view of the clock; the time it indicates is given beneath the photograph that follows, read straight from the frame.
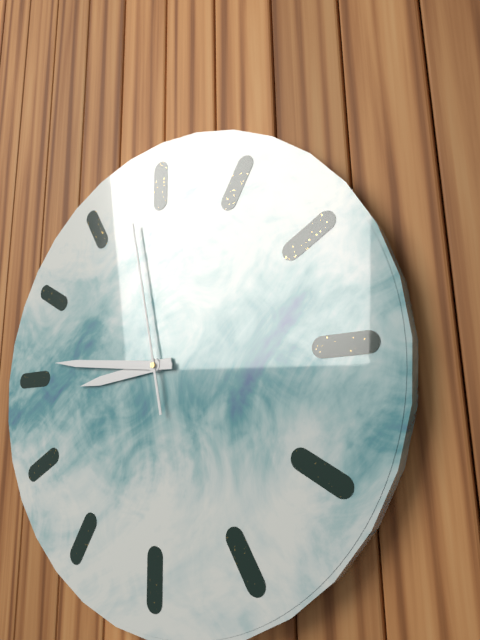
8:46:58
